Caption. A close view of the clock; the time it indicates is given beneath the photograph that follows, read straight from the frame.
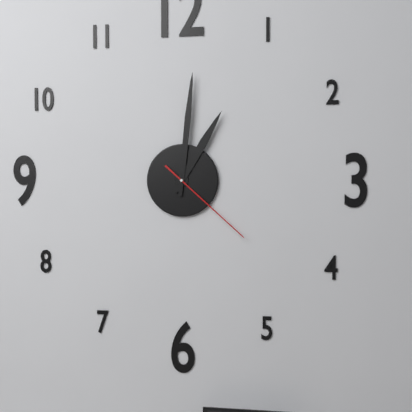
1:01:22
